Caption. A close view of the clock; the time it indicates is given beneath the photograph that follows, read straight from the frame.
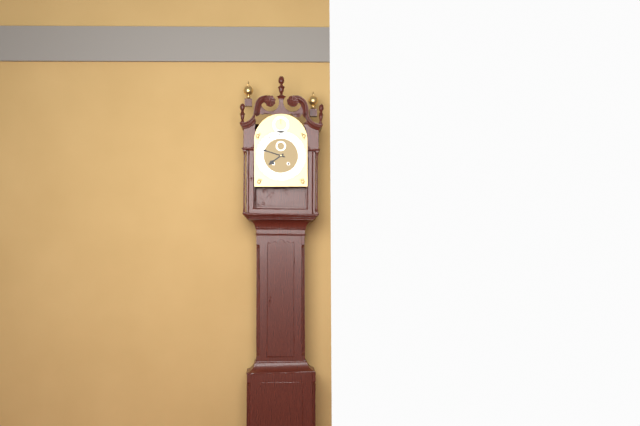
7:48
